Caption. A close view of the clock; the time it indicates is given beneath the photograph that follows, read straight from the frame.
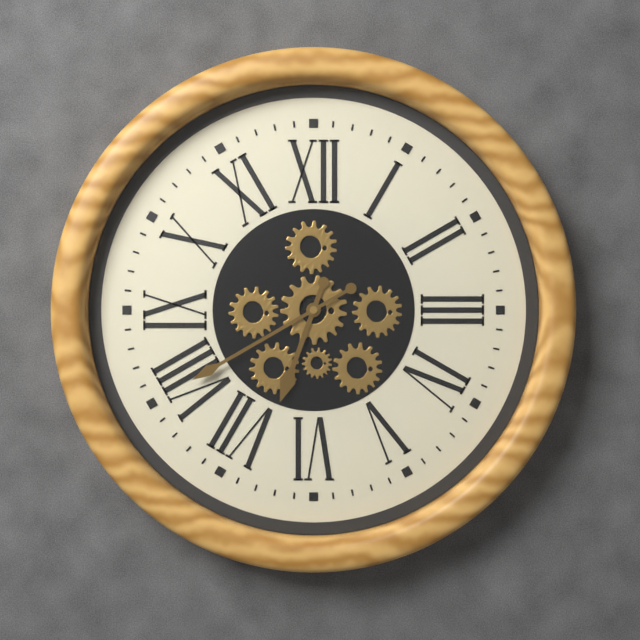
6:40
